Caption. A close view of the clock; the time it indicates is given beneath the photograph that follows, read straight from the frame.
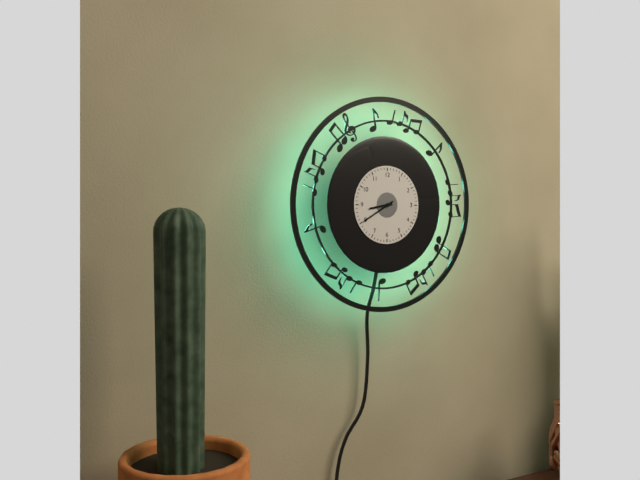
8:40
